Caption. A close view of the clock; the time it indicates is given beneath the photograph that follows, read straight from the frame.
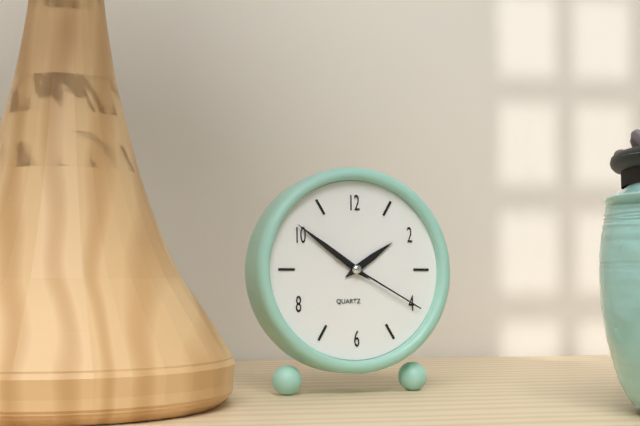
1:51:20
